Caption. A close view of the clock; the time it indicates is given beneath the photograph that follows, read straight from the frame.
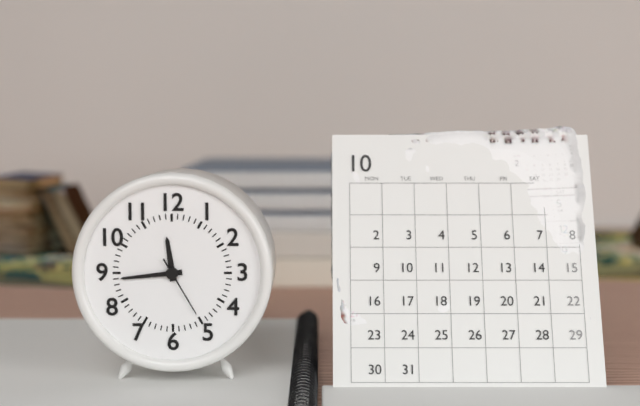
11:44:25
